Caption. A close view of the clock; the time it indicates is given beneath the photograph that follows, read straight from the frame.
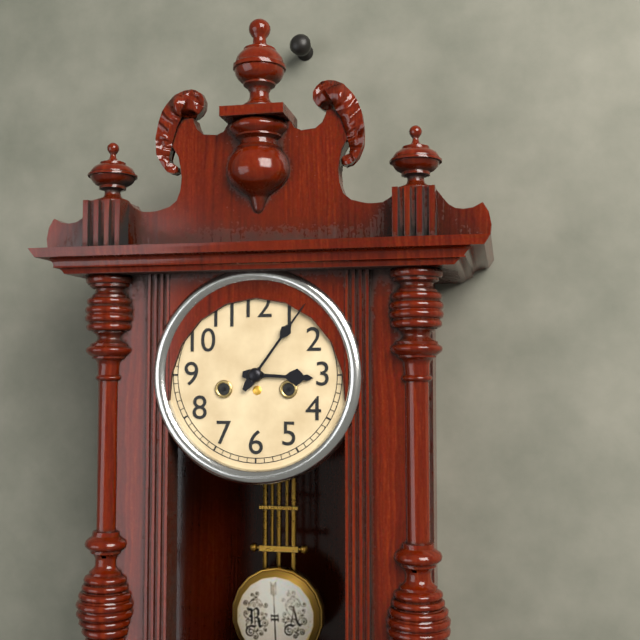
3:06
